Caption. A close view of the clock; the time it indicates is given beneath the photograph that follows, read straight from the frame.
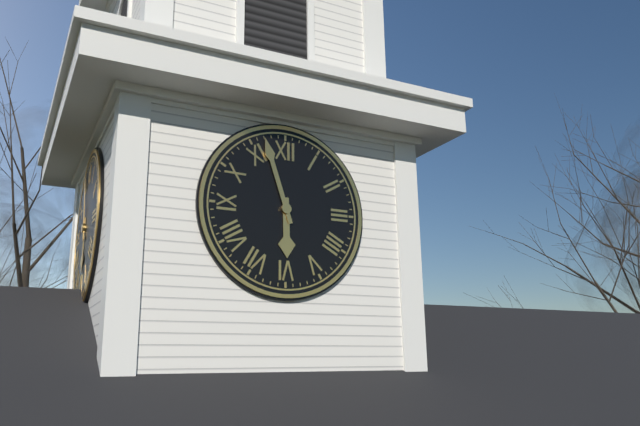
5:57
